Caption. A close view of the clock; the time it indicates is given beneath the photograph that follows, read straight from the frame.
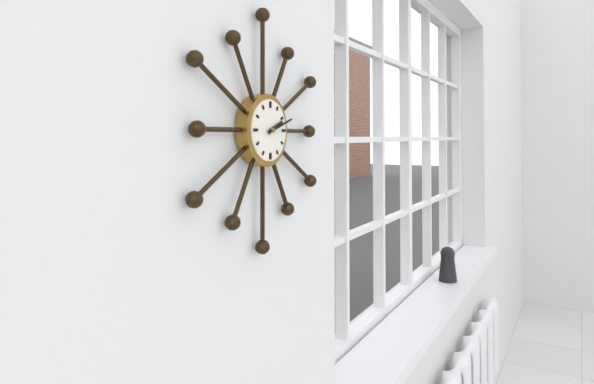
2:12
